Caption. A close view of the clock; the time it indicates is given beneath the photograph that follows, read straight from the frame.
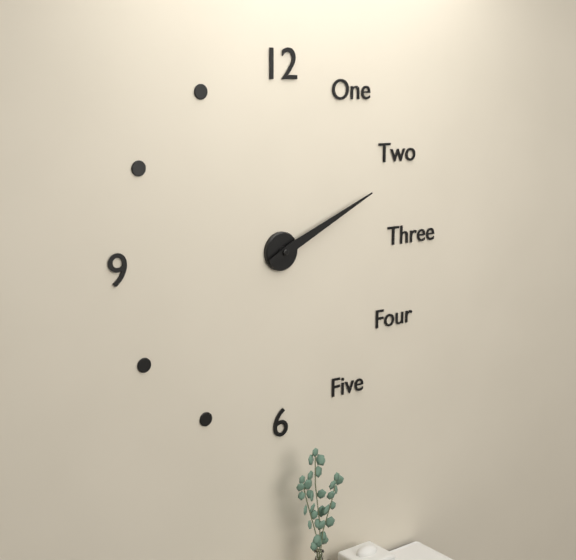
2:11
